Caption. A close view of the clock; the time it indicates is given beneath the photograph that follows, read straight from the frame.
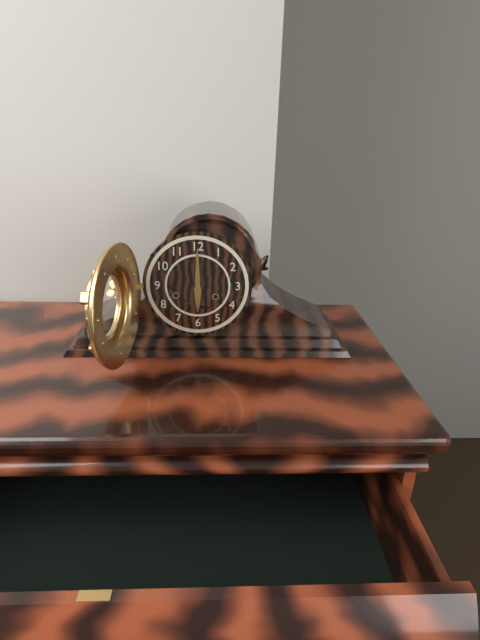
6:00
